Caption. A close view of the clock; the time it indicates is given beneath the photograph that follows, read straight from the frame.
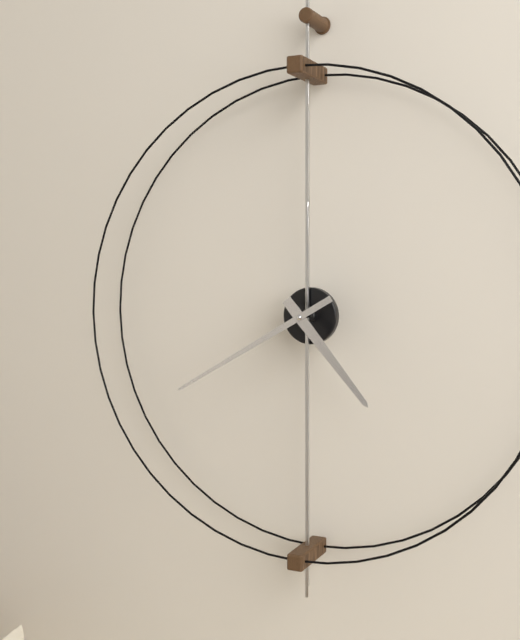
4:40
